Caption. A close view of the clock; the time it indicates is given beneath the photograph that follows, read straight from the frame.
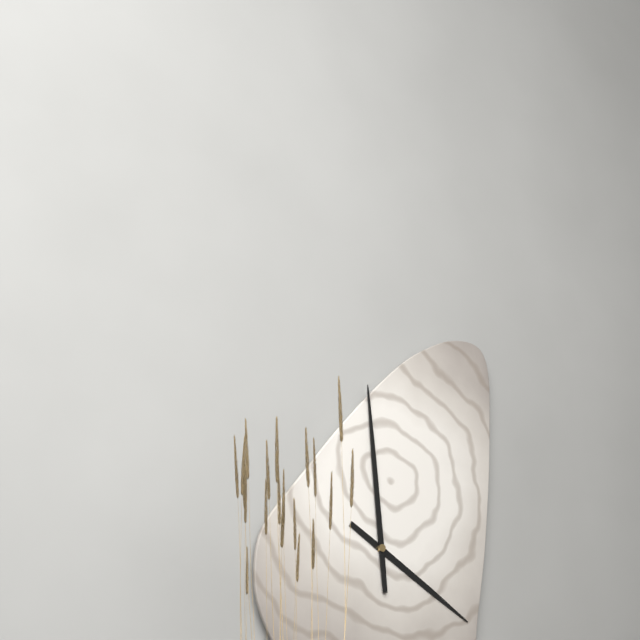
3:59
